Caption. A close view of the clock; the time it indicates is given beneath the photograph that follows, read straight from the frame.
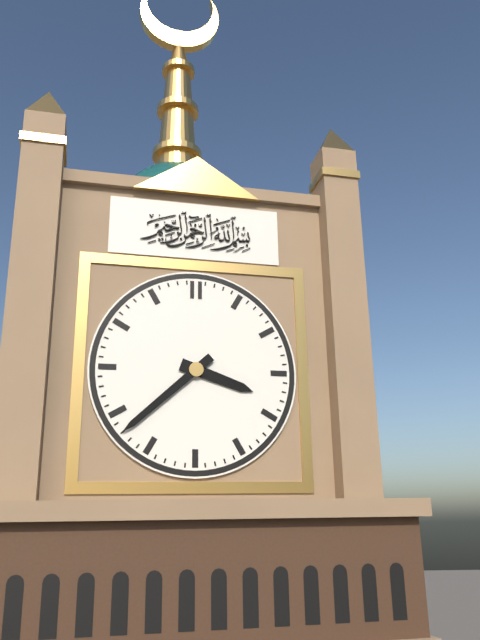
3:38
